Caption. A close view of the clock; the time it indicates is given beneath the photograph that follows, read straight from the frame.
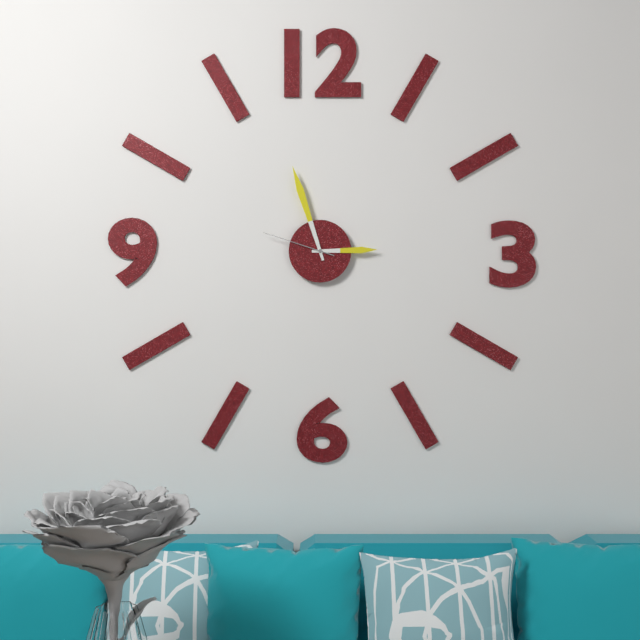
2:57:48
